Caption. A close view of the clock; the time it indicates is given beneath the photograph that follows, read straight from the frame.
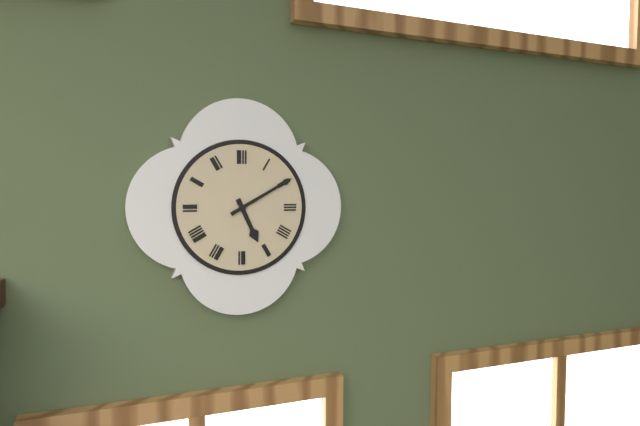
5:10
